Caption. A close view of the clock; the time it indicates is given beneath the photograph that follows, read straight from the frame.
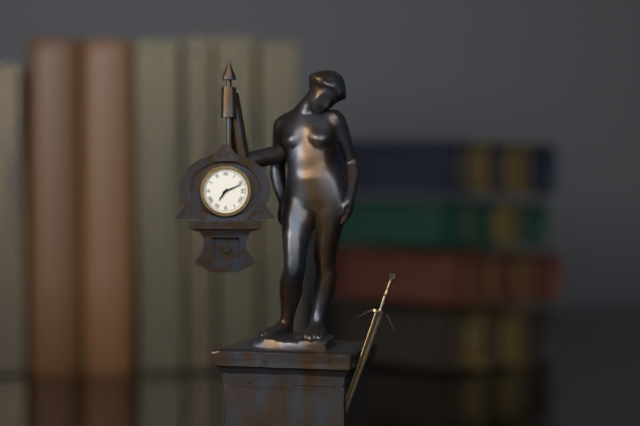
7:11
